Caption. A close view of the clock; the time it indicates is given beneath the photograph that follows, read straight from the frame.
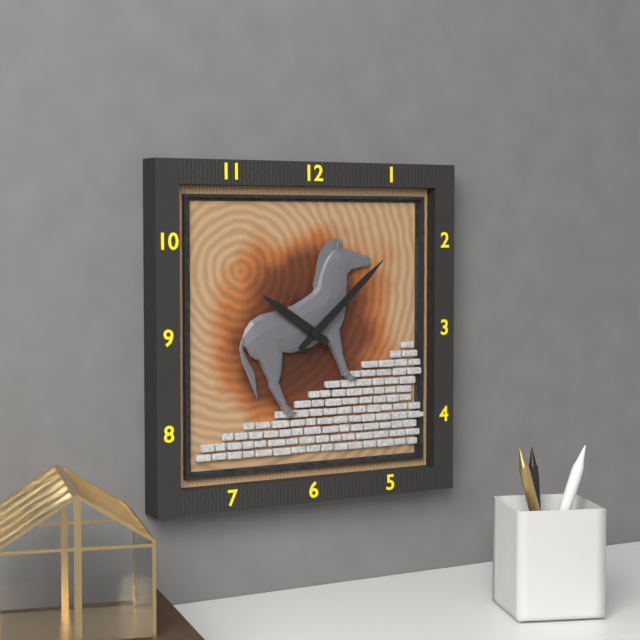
10:08
